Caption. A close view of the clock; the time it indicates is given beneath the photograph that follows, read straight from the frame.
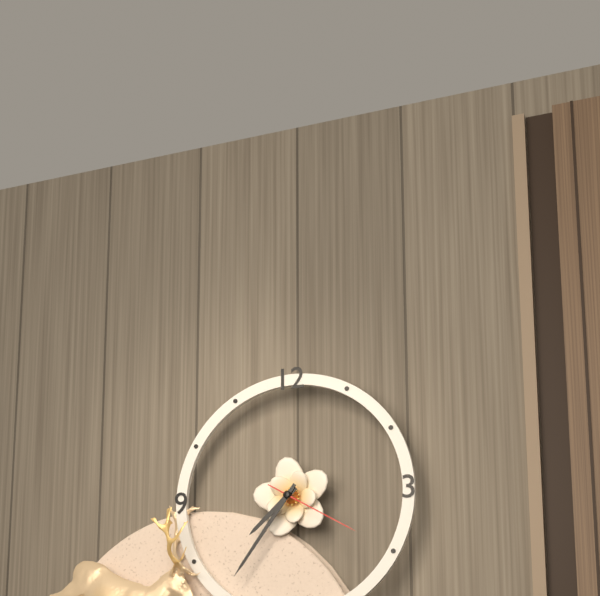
7:36:20
